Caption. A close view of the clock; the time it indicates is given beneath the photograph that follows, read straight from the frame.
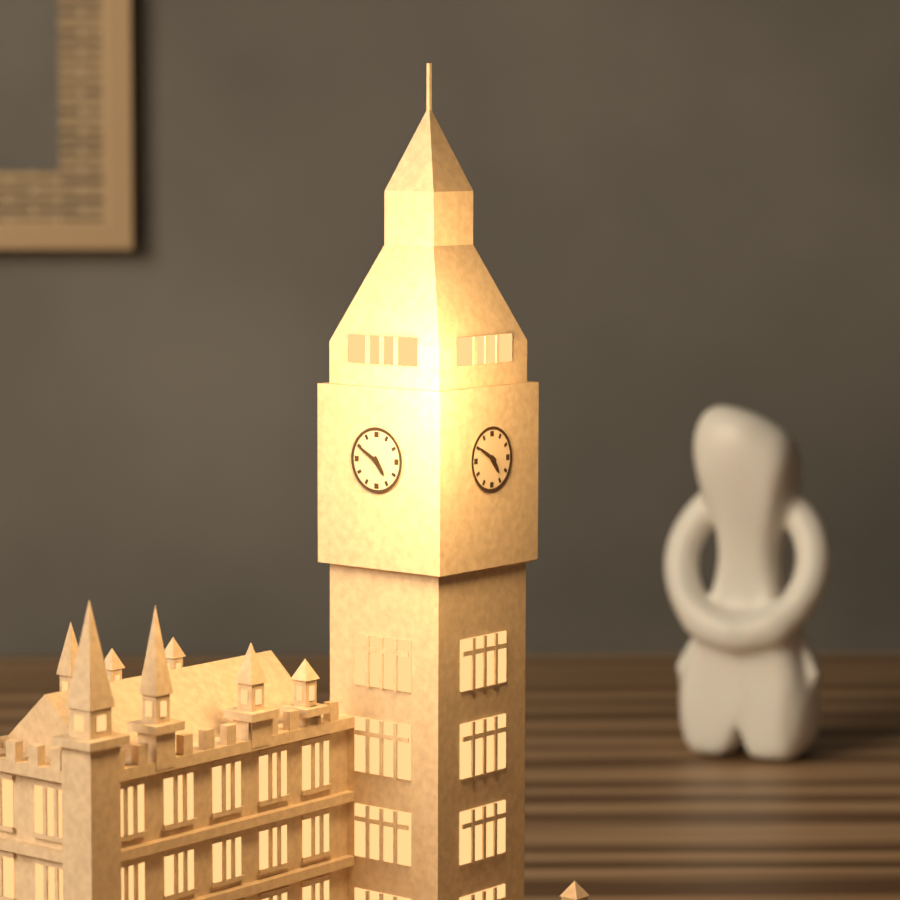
4:50
